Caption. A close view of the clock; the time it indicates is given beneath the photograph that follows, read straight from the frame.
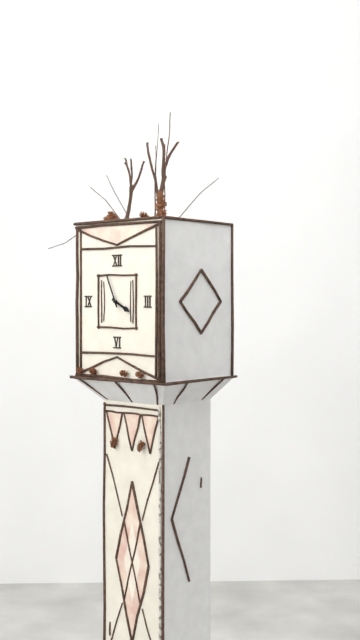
3:56
